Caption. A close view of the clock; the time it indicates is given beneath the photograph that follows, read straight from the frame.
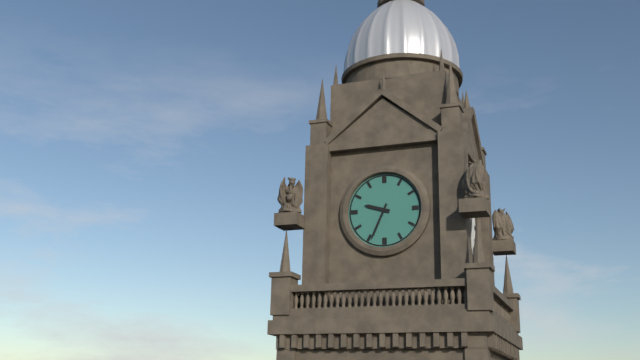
9:34
